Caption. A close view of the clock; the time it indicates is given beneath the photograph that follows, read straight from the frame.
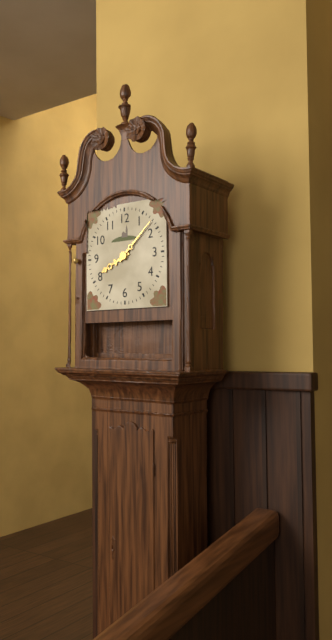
8:08
